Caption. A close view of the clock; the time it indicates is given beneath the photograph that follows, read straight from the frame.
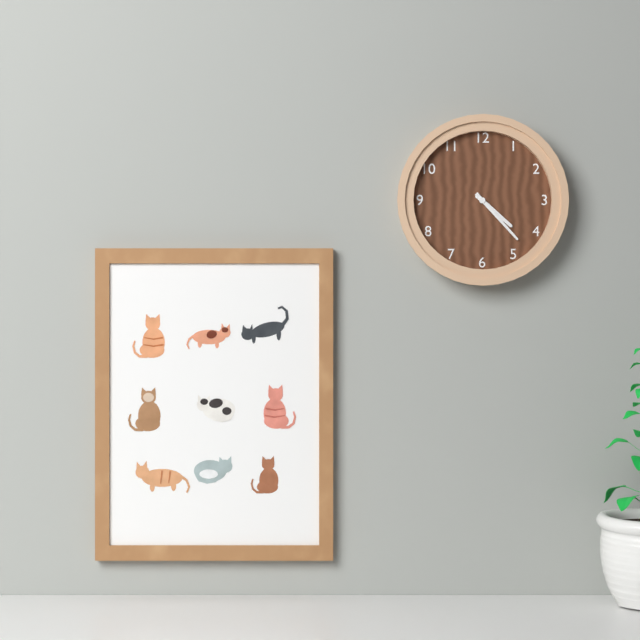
4:23
